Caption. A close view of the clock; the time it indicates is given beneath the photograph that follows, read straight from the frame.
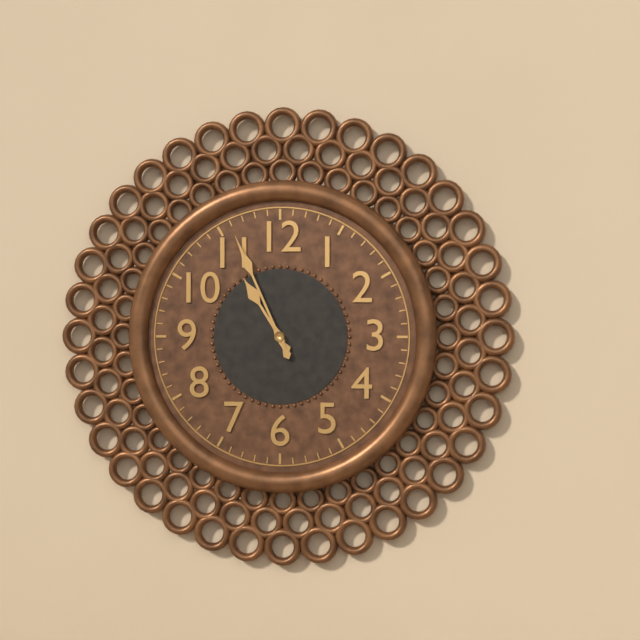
10:56
